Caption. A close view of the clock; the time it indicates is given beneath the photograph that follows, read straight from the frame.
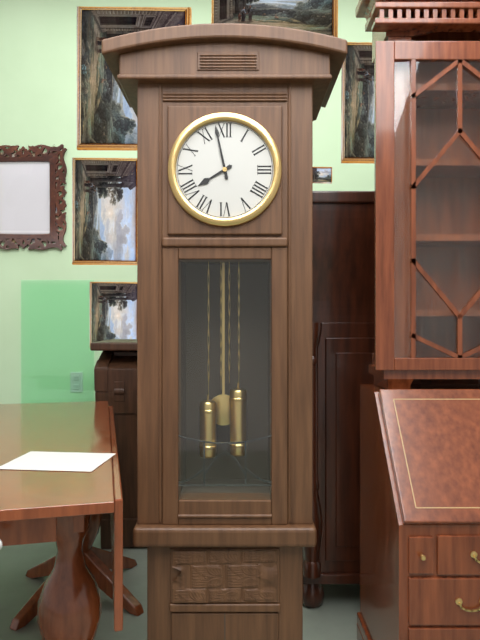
7:58
